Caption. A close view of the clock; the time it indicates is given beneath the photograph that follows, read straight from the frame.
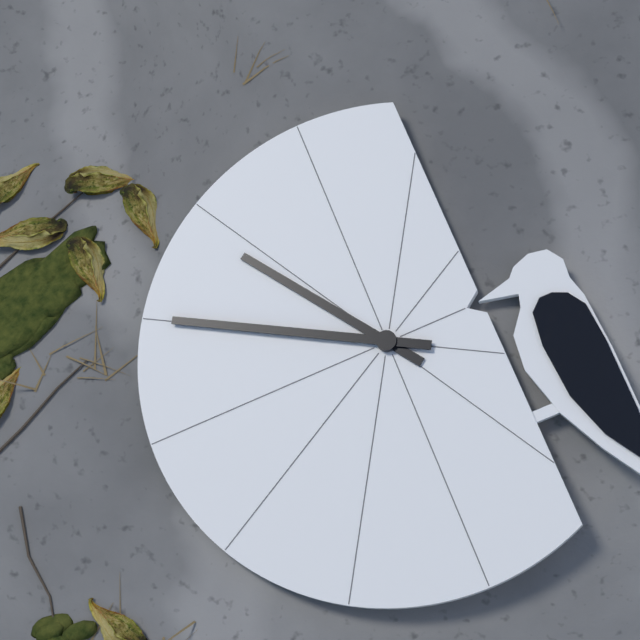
10:50
